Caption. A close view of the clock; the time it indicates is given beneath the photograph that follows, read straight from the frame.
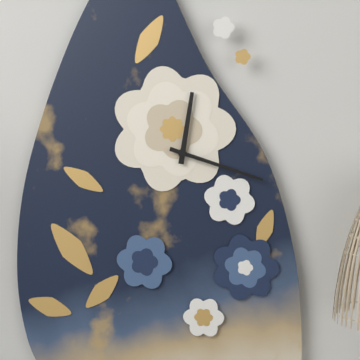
12:18
